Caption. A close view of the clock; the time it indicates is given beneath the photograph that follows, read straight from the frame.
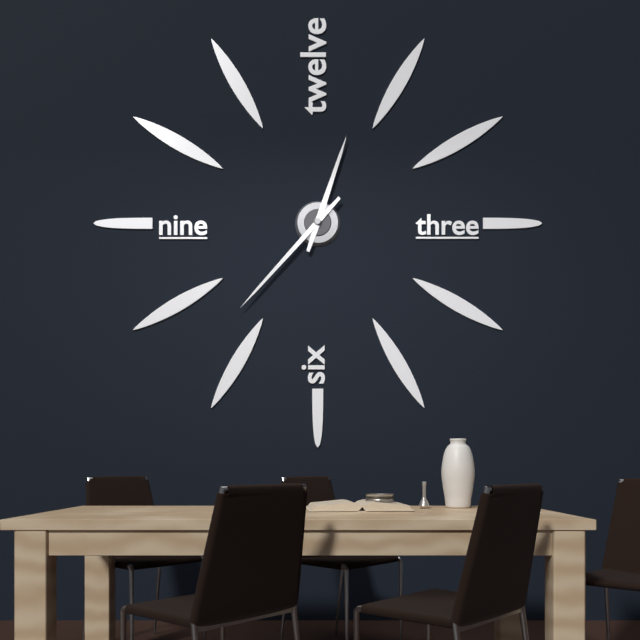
12:37
